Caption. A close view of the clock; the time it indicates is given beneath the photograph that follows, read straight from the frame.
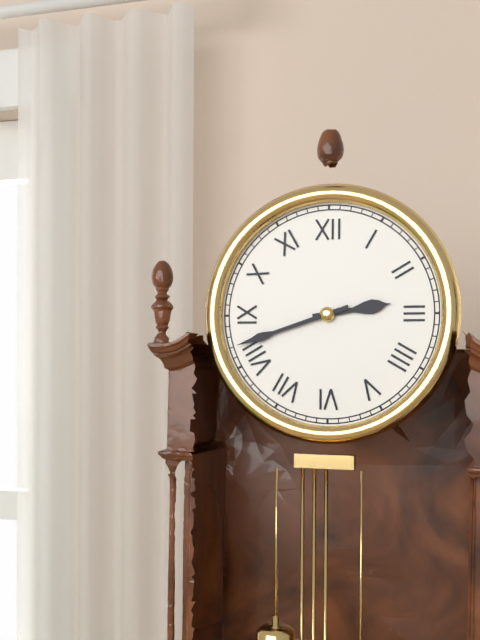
2:42
